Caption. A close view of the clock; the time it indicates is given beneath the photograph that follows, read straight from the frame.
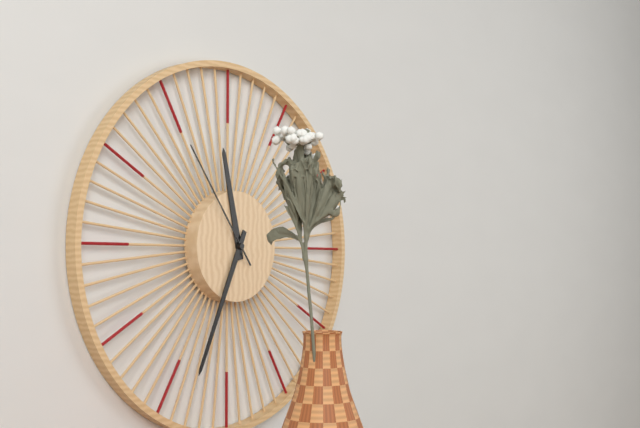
11:34:54
